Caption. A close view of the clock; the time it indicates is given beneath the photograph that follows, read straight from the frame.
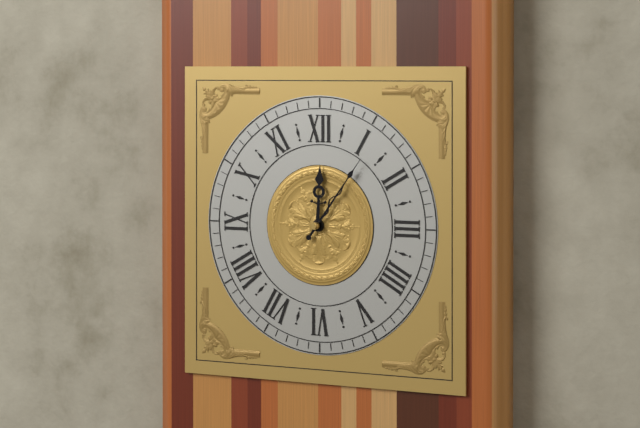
12:06
